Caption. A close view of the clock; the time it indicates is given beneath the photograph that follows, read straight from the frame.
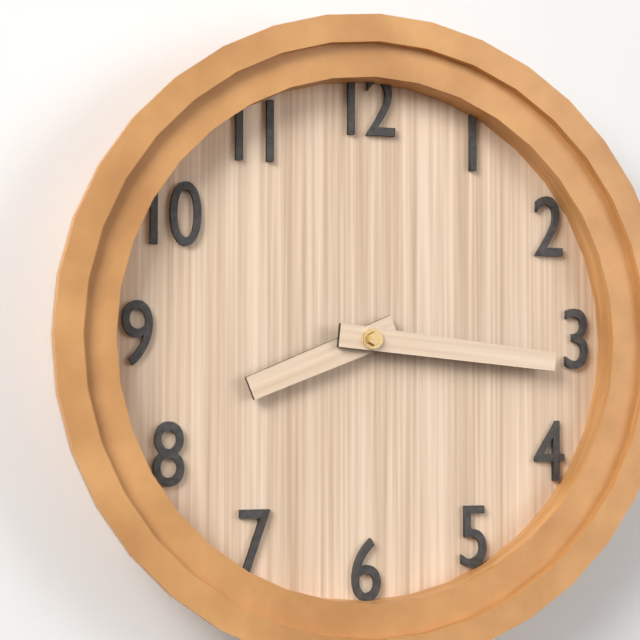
8:16
